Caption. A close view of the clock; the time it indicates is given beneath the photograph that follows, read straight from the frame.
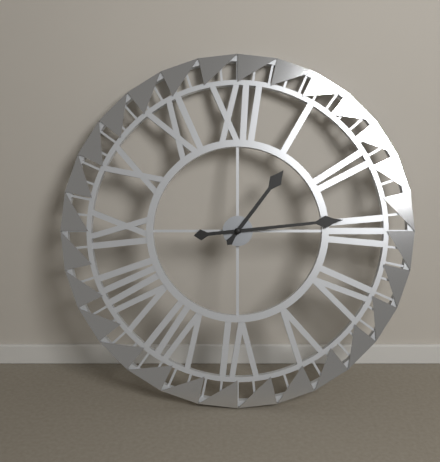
1:14
